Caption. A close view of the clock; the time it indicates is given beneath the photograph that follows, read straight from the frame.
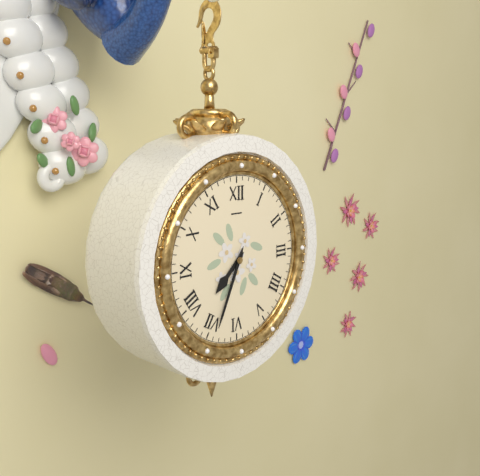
7:34
